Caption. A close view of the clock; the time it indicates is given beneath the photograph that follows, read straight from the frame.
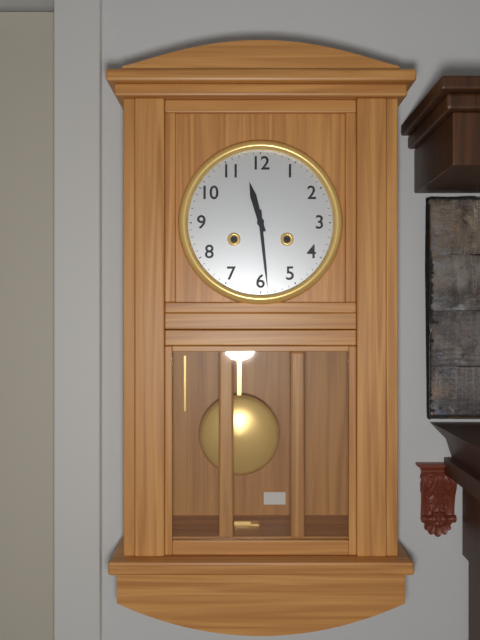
11:29
